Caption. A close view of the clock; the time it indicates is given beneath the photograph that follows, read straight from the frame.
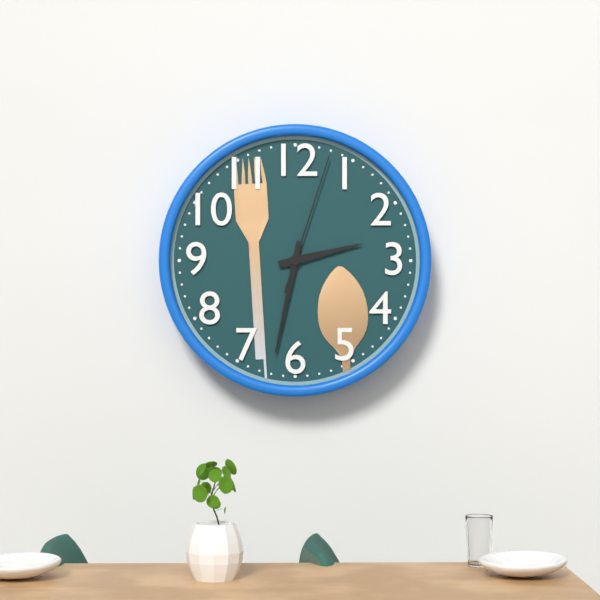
2:32:03
